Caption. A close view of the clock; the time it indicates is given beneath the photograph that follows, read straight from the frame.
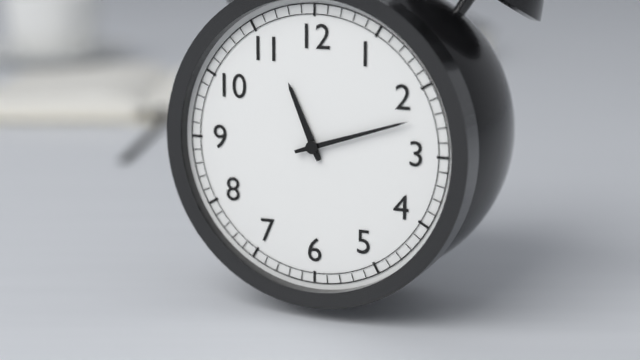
11:12
